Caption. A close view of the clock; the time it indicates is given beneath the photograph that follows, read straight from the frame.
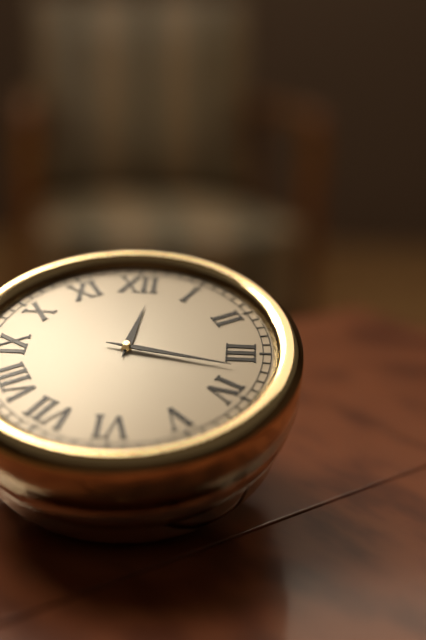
12:17
